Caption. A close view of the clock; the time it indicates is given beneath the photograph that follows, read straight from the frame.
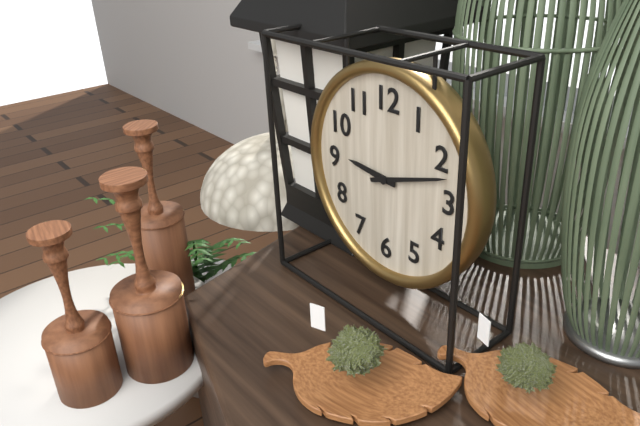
9:12
